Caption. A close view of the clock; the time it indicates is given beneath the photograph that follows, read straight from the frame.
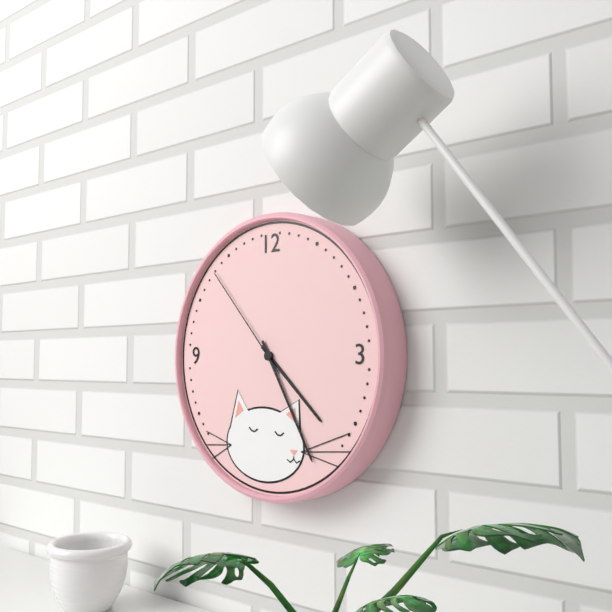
4:25:53
